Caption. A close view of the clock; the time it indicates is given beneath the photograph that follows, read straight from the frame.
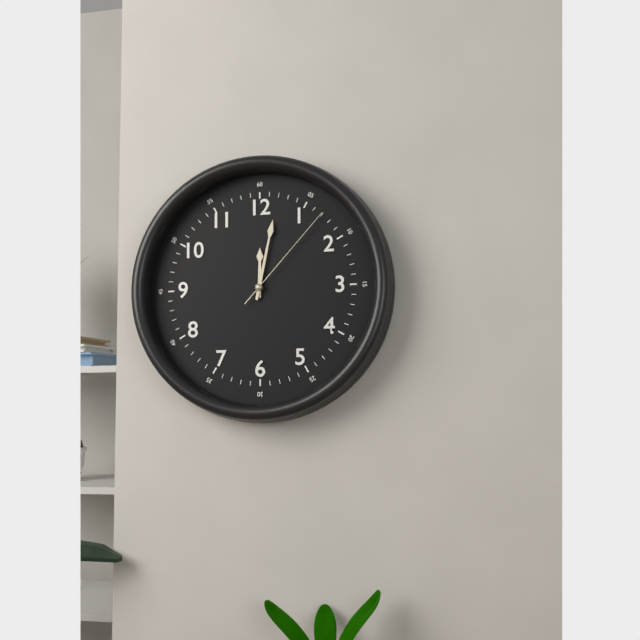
12:02:07
